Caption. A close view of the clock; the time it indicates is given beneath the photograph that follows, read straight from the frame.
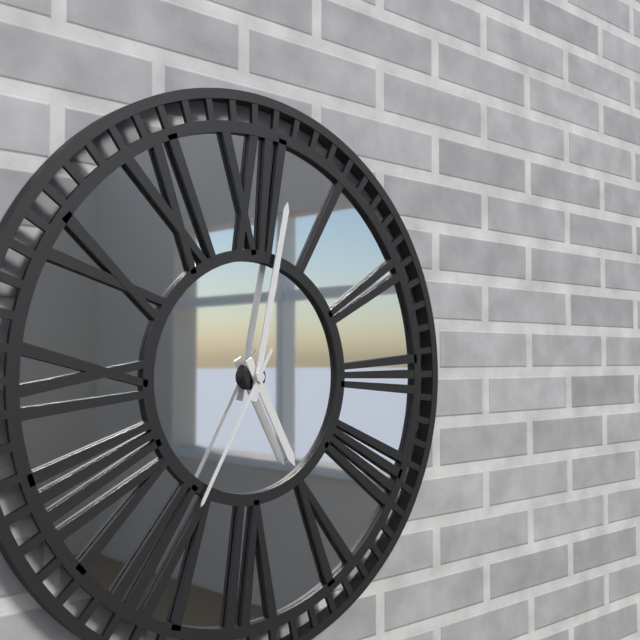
5:02:35
